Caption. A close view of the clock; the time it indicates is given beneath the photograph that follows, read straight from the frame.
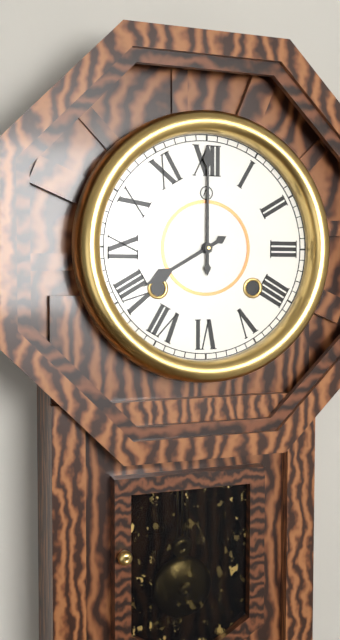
8:00
